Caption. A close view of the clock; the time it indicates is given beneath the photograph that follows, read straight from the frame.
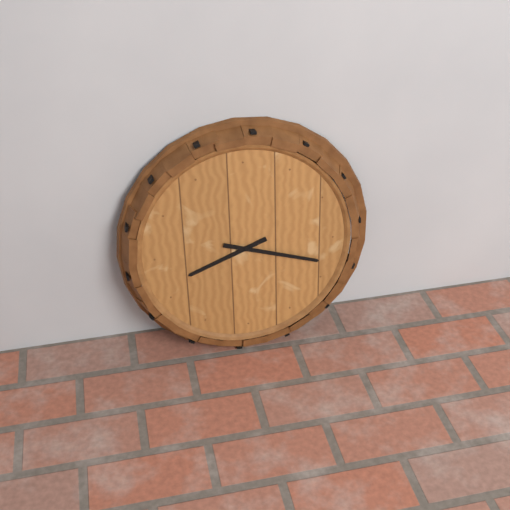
8:18
